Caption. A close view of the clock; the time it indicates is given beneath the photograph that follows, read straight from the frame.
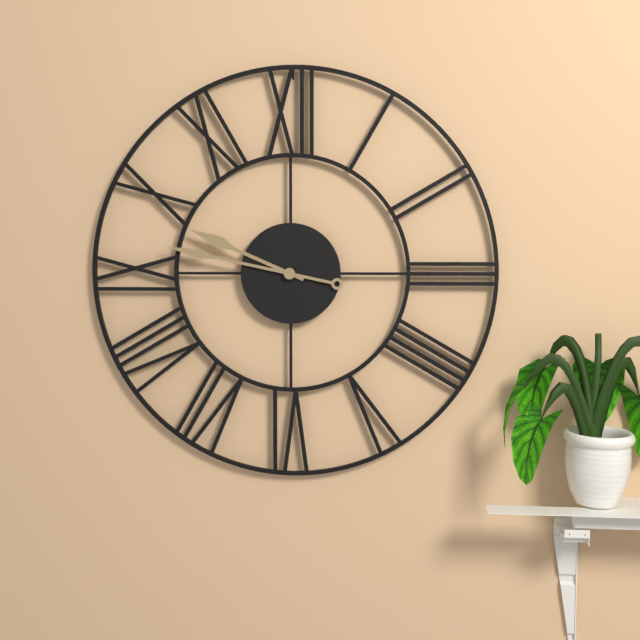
9:47
